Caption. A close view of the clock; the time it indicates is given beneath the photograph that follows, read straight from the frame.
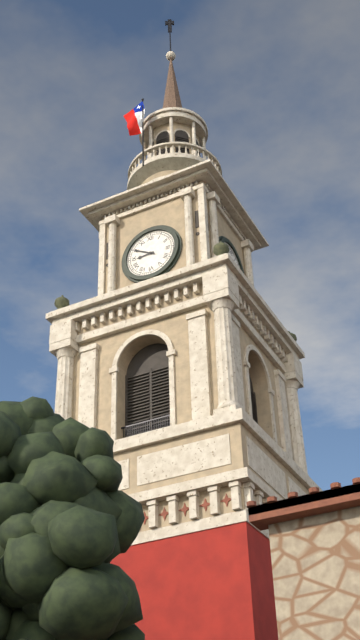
8:50
